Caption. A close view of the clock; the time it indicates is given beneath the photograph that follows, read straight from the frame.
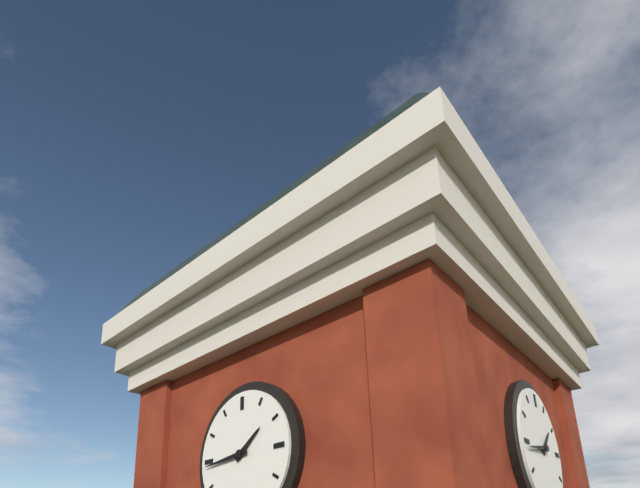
1:44
